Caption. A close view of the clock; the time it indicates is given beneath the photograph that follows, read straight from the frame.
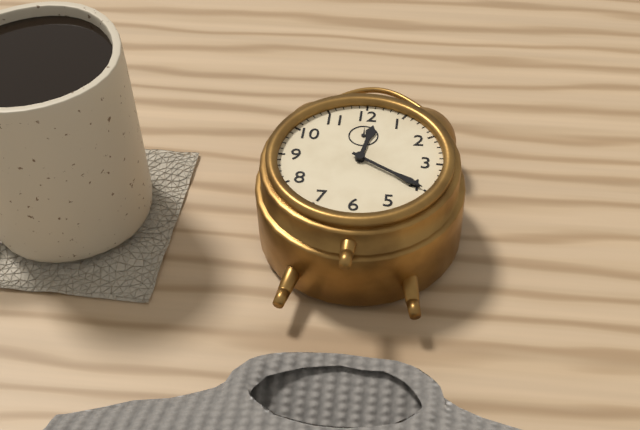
12:20
